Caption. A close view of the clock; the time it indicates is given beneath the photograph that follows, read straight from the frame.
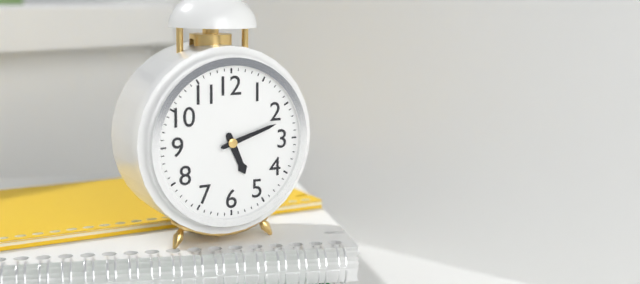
5:12
